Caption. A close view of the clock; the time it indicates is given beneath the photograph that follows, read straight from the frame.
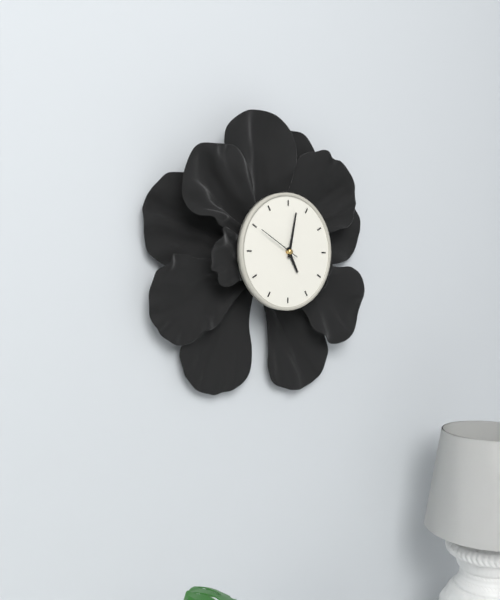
5:02
